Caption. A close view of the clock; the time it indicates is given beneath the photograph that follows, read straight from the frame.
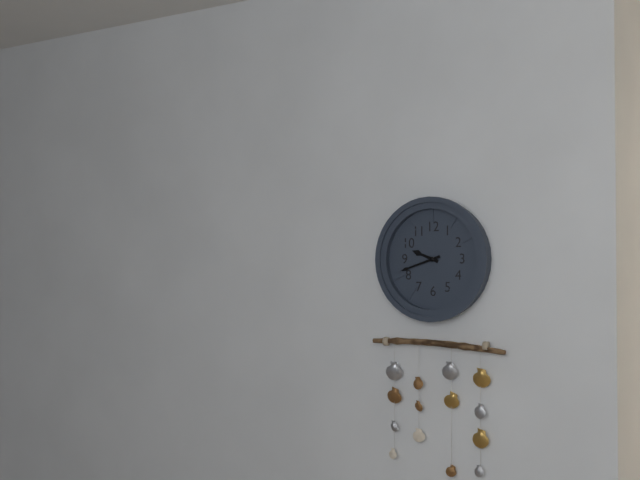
9:42
